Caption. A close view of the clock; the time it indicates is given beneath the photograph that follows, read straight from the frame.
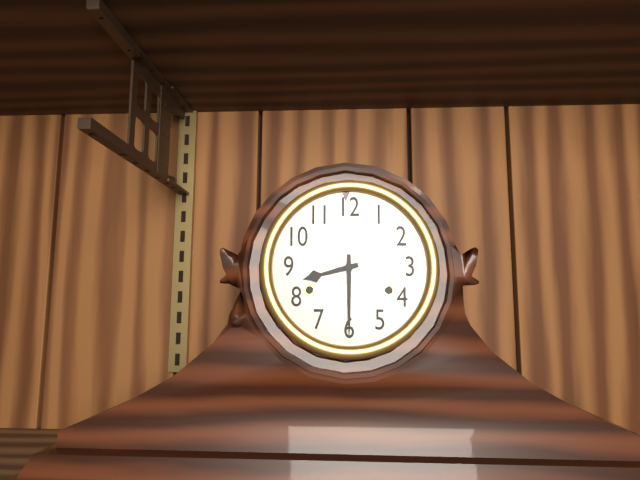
8:30
